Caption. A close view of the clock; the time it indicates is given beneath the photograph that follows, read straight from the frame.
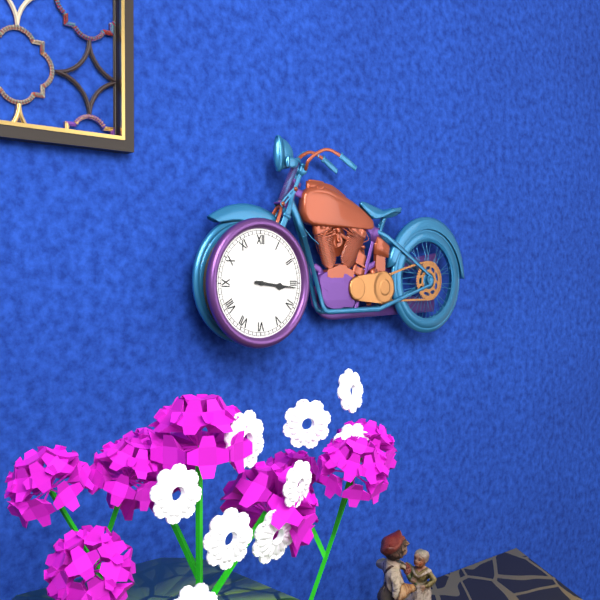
3:16
